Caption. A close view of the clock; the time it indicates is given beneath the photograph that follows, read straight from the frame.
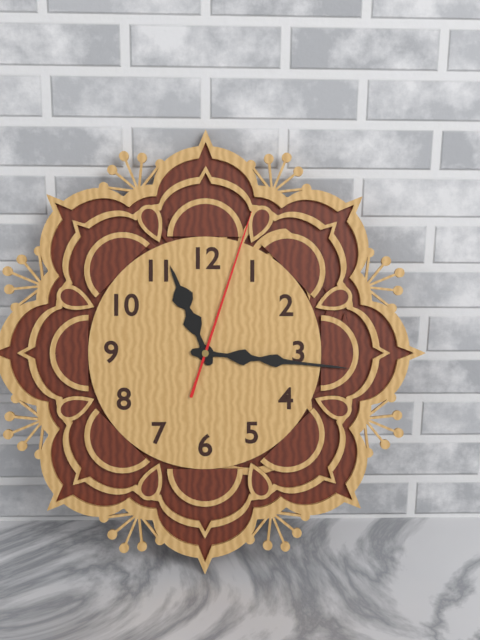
11:16:03
